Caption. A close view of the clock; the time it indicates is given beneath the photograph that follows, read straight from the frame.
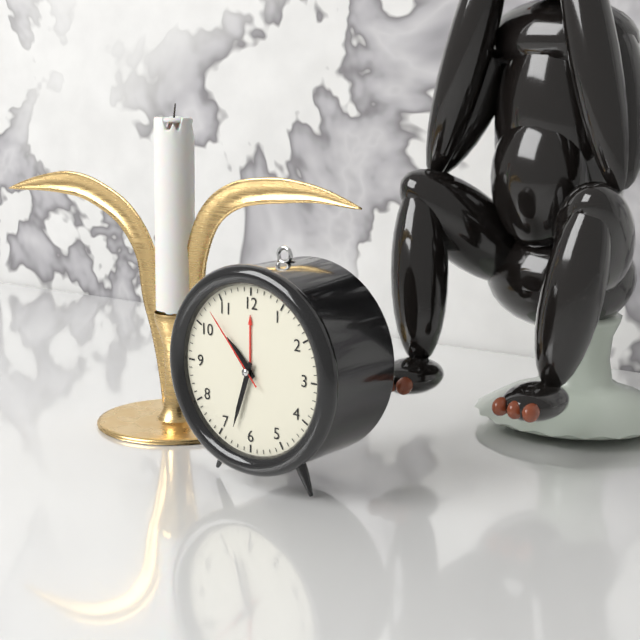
10:33:53
